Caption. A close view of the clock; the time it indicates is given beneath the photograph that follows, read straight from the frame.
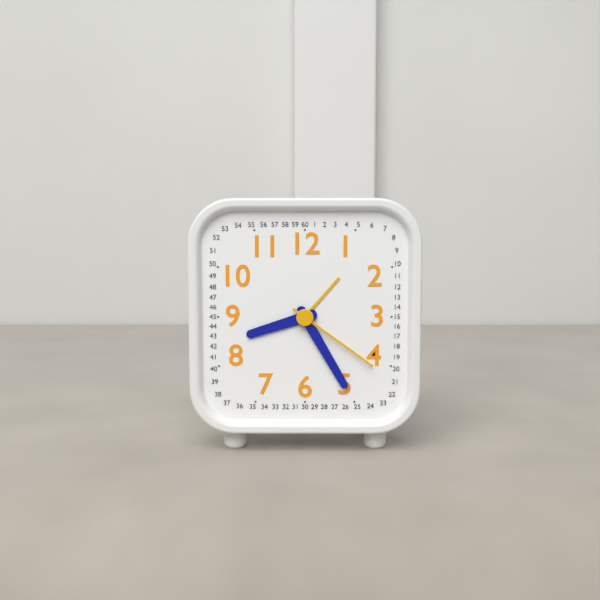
8:25:21
